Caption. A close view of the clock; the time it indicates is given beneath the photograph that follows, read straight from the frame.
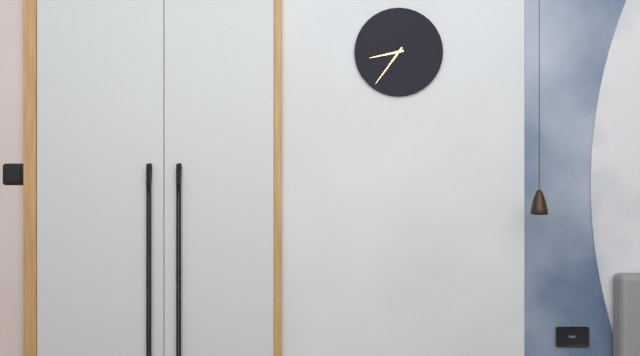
8:36
